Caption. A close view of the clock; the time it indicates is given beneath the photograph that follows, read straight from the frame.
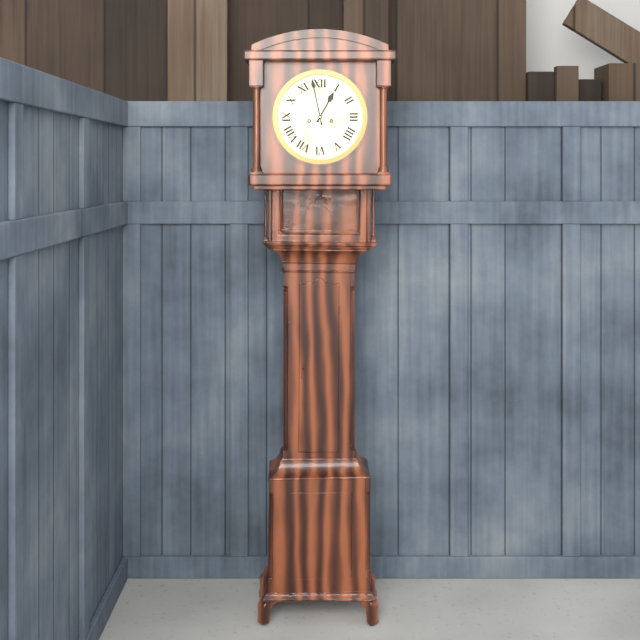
12:58
